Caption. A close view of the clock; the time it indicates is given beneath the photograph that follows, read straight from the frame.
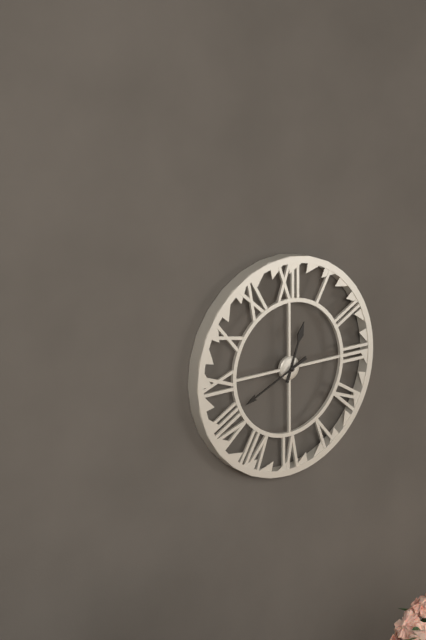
12:41
